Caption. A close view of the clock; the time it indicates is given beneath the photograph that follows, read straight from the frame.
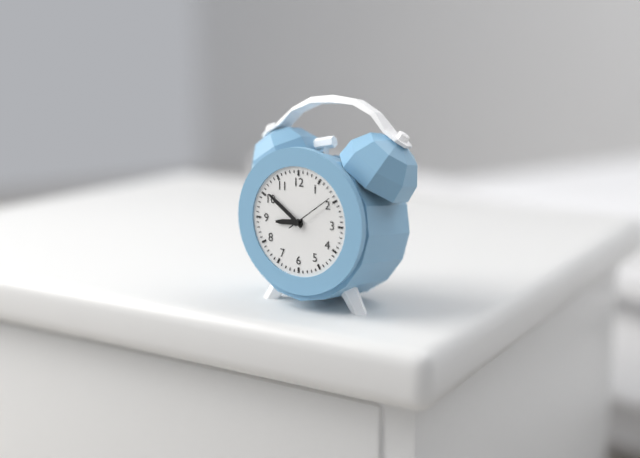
8:51
